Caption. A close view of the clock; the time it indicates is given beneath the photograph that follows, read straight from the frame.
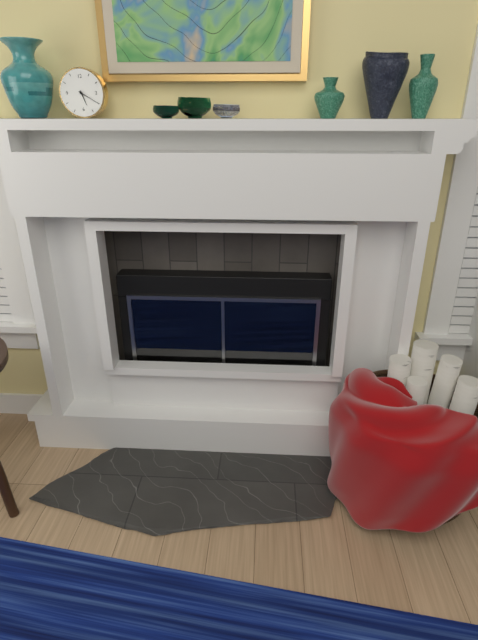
5:20
